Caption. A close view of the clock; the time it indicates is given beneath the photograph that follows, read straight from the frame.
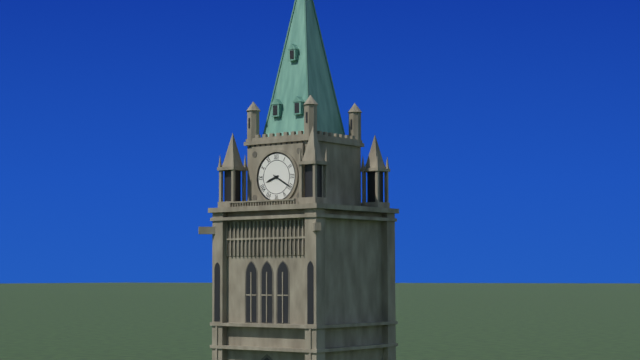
8:20
